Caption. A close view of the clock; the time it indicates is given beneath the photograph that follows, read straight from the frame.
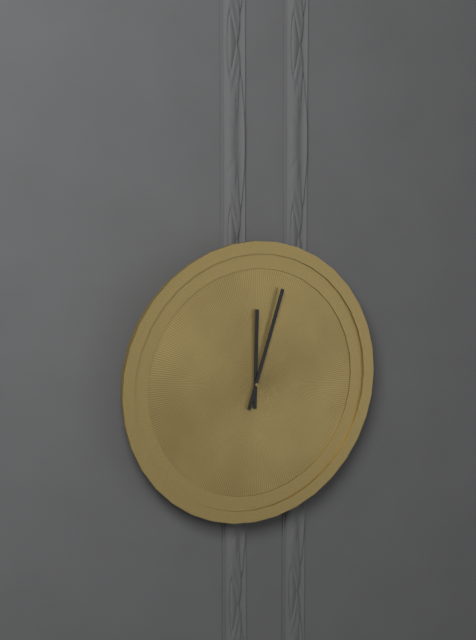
12:03
